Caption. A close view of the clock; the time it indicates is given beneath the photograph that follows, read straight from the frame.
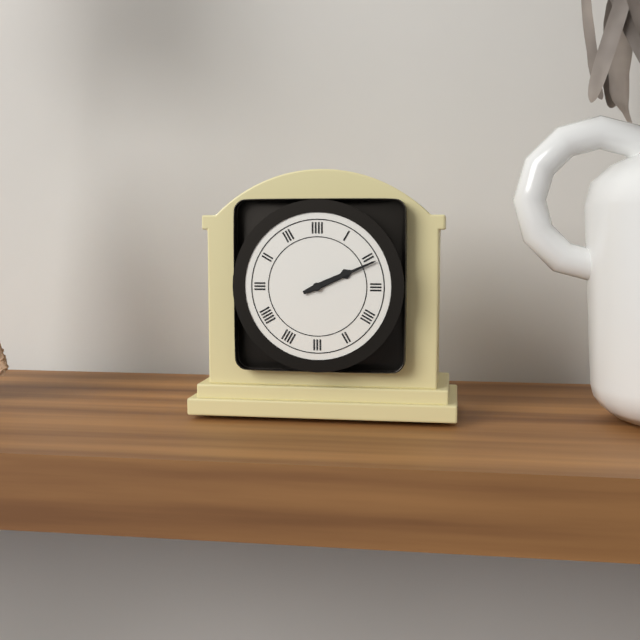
2:11
